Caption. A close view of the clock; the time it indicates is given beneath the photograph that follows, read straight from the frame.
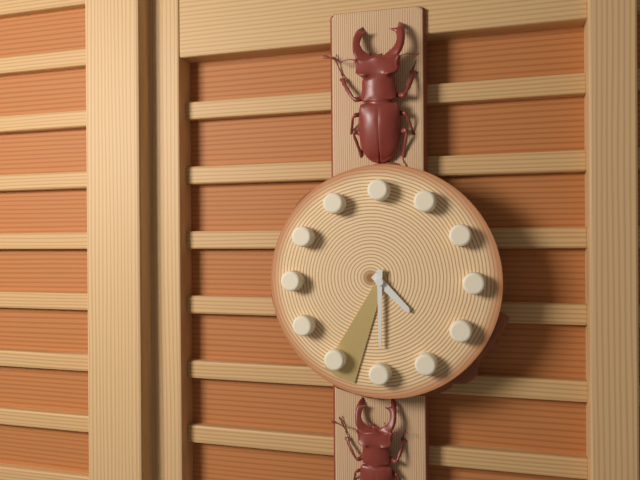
4:30:34
